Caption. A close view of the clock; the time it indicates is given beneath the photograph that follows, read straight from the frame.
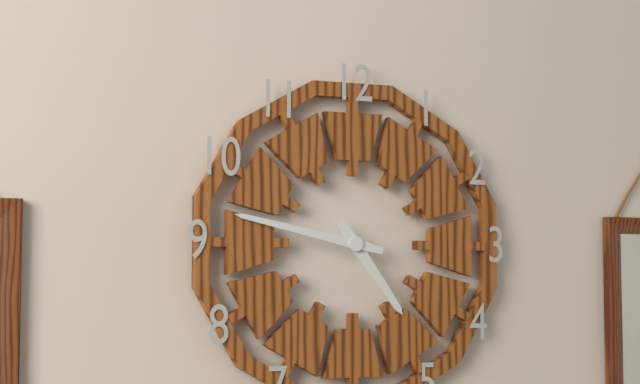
4:47
